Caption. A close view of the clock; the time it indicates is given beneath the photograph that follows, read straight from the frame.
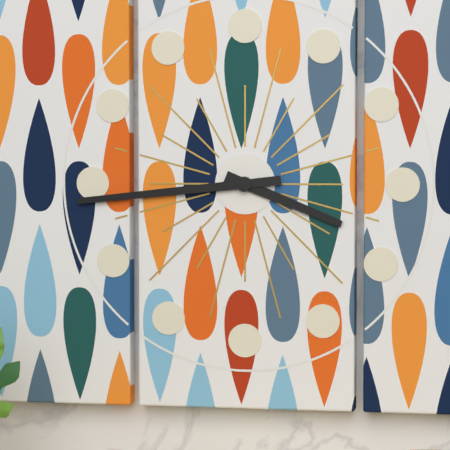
3:44
